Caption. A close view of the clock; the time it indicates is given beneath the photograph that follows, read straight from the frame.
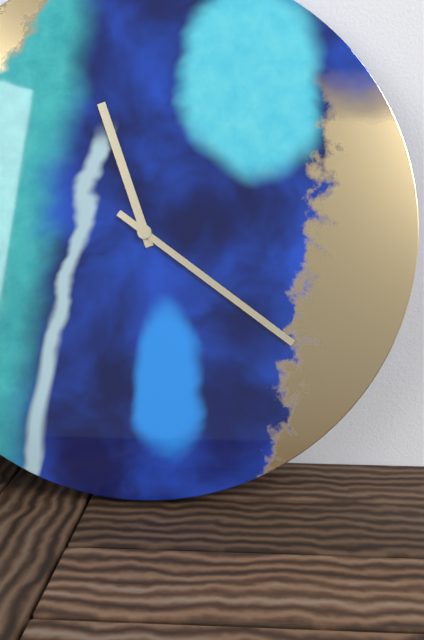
11:21
